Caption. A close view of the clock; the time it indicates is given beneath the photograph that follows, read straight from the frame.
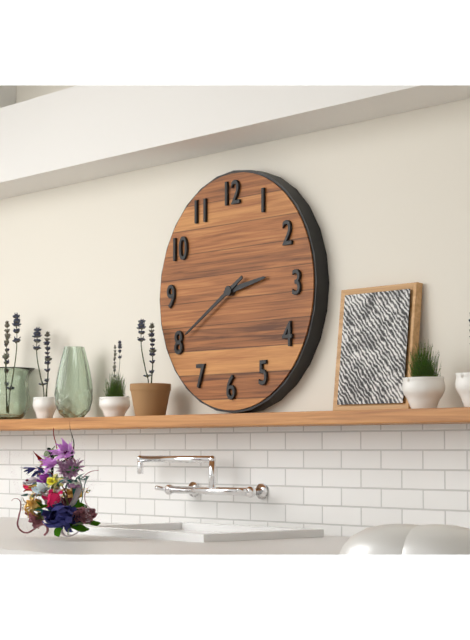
2:40
